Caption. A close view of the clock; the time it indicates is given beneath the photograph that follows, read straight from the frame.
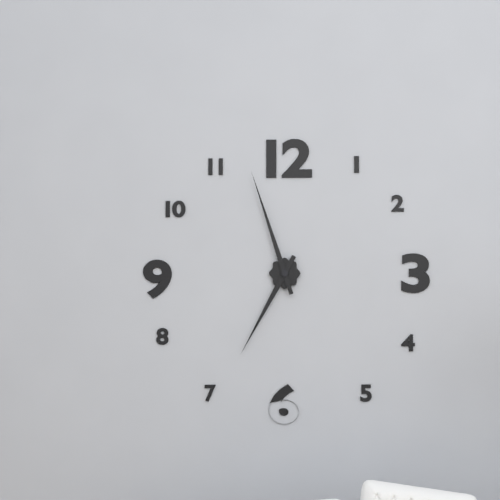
6:57
